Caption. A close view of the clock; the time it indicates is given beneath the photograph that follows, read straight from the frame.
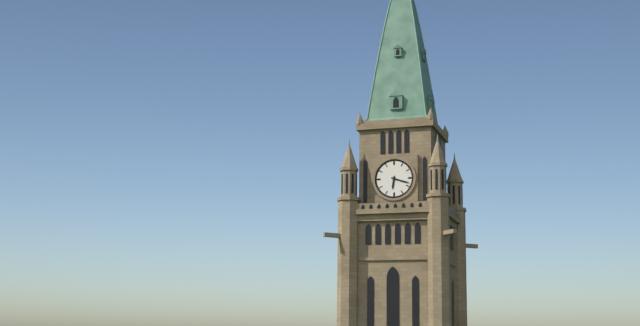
6:18
